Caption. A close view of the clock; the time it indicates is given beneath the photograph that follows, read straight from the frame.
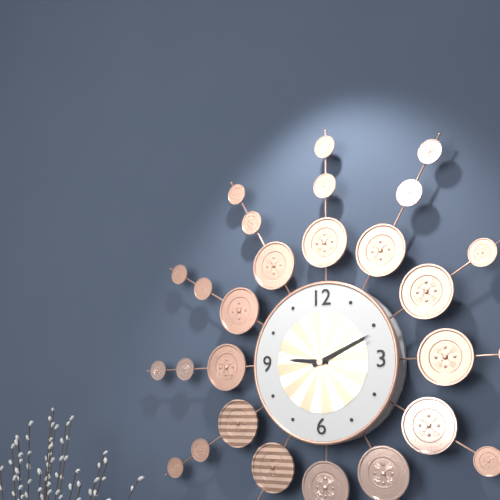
9:11
